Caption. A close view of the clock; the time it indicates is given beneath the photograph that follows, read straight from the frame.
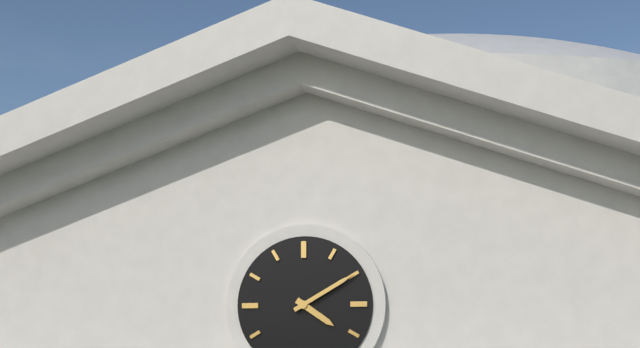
4:10
